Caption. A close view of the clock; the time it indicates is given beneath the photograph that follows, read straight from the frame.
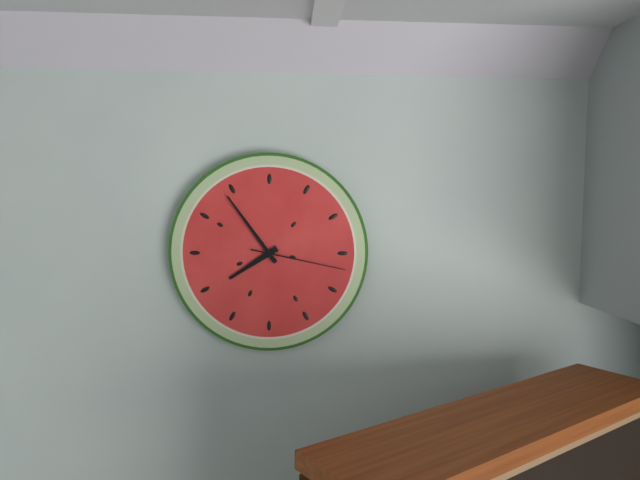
7:54:17
